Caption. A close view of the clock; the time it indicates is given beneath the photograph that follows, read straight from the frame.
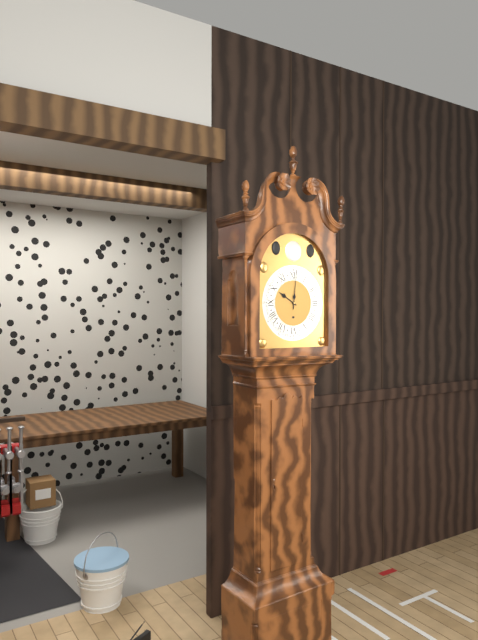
10:01
